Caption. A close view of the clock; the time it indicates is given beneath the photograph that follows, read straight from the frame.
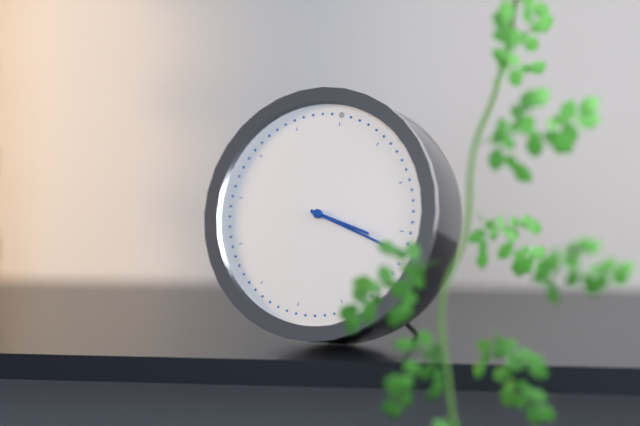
3:17
